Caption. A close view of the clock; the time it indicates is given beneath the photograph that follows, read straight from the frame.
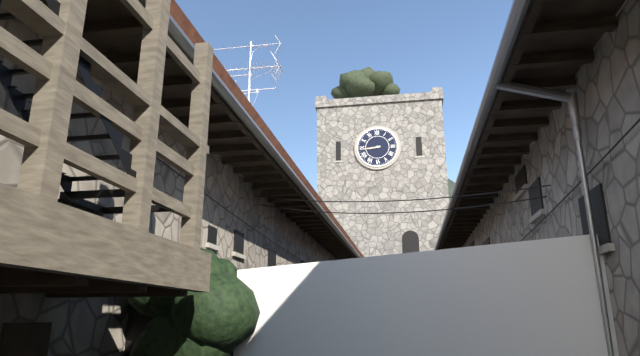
8:44
